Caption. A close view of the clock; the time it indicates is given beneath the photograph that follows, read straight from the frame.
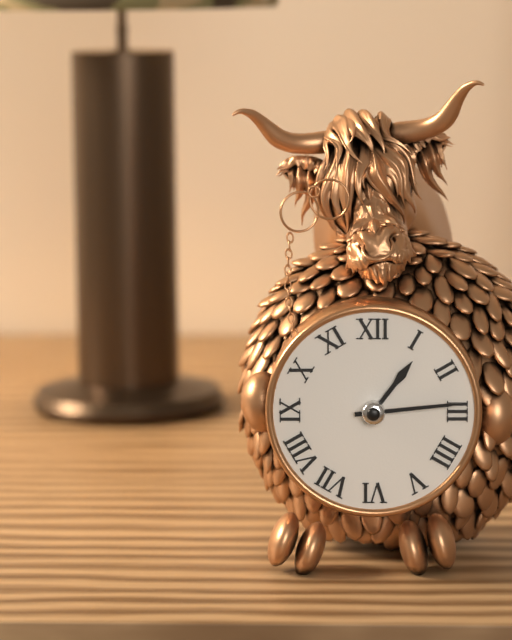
1:14
